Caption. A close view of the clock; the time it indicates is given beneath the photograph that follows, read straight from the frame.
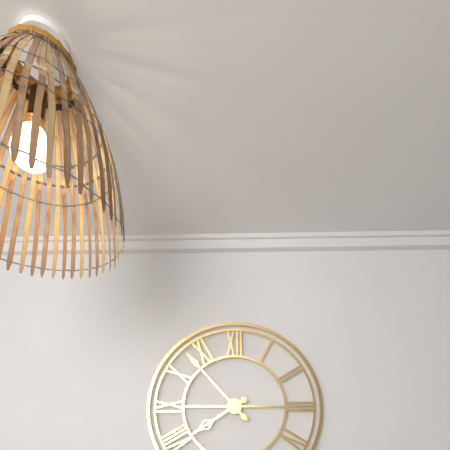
7:53
